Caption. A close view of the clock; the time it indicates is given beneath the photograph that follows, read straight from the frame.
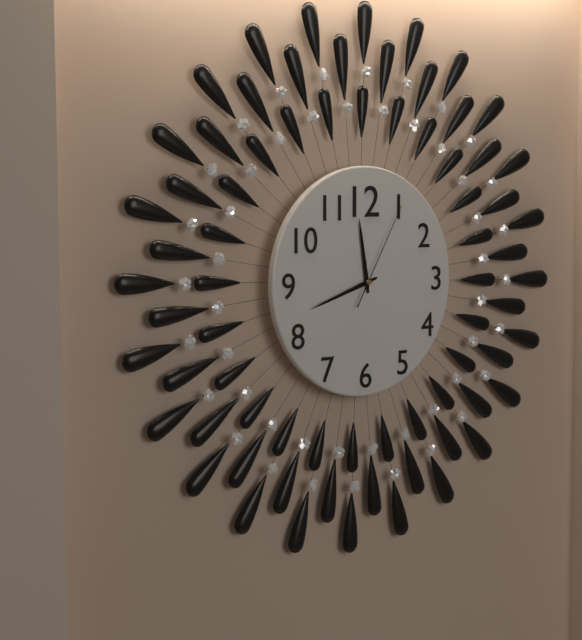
11:42:05
